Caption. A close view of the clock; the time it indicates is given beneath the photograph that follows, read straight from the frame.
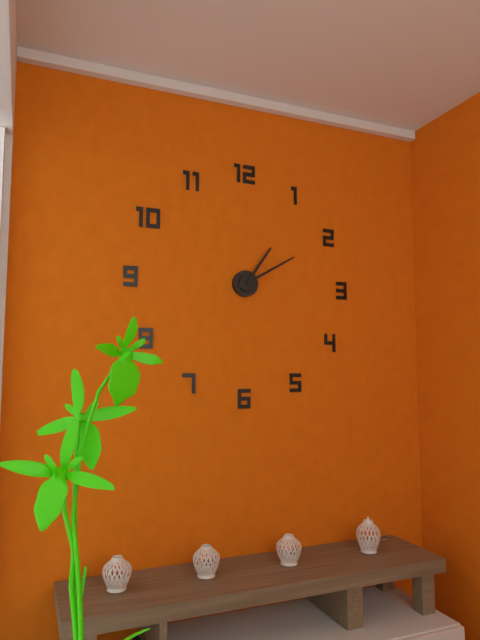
1:10
